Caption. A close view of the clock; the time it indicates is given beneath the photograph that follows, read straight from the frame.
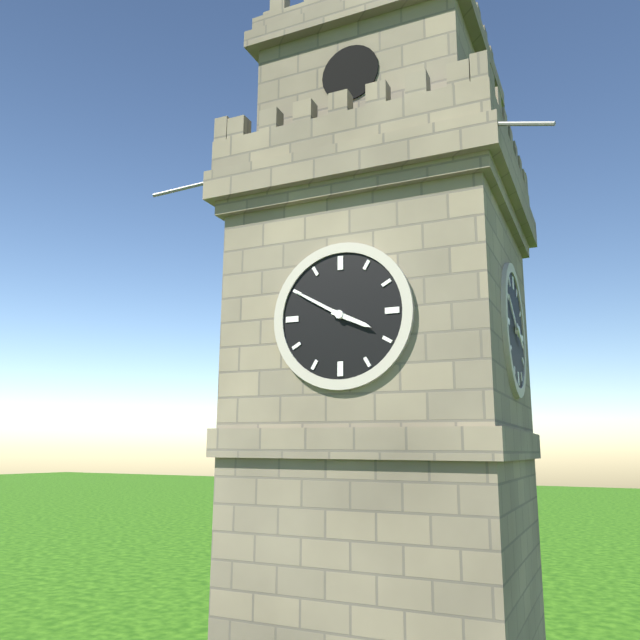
3:50
